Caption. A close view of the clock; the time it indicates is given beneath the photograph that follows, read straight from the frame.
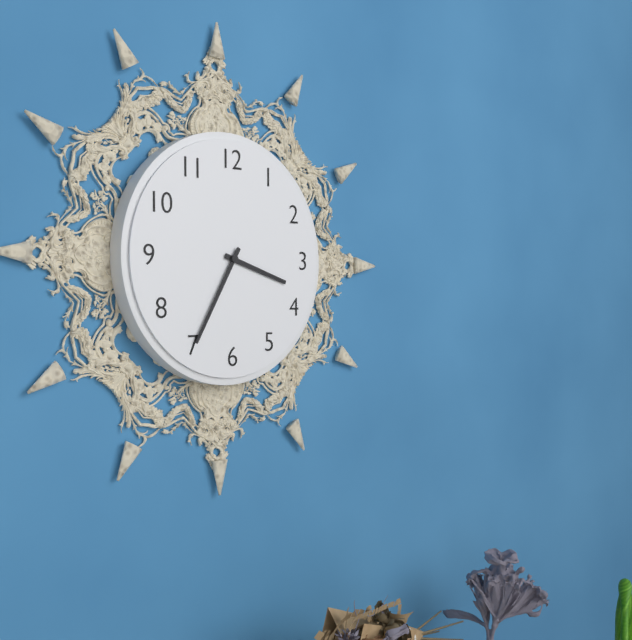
3:35
